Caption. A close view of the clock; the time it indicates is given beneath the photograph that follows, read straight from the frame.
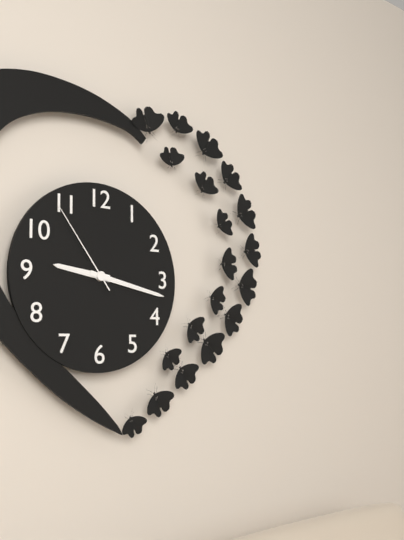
9:17:54
